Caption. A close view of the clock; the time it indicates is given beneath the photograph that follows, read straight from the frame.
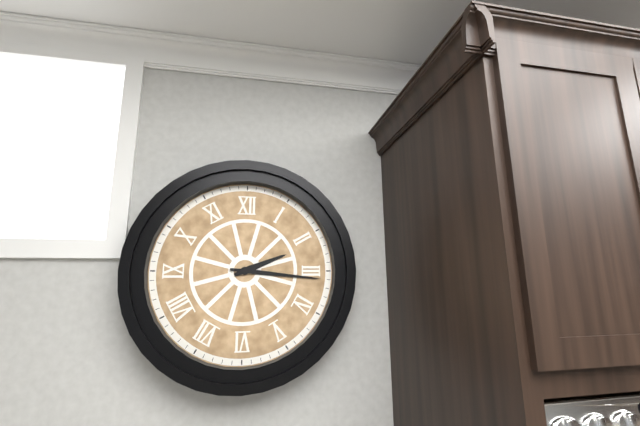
2:16
